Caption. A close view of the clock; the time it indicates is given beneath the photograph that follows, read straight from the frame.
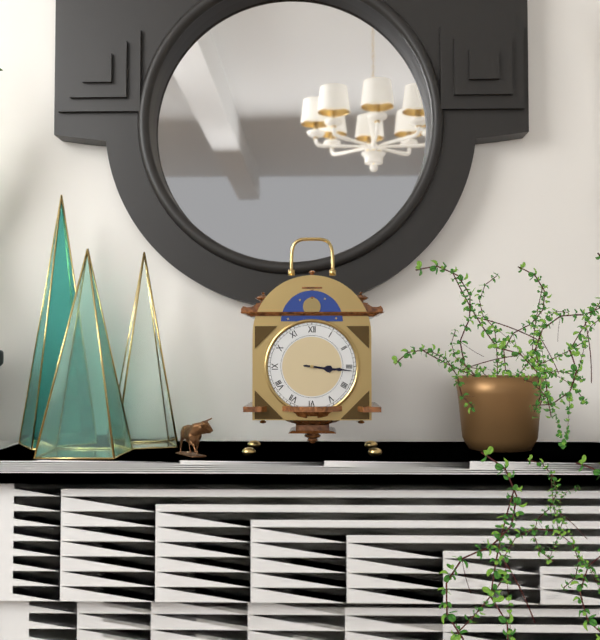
3:16
